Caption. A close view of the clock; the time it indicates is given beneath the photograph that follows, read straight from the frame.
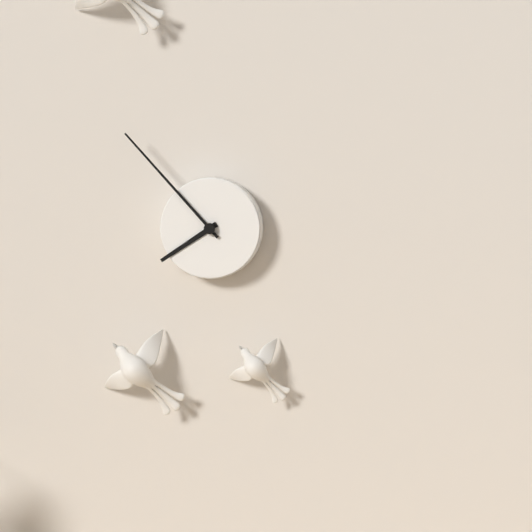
7:53
